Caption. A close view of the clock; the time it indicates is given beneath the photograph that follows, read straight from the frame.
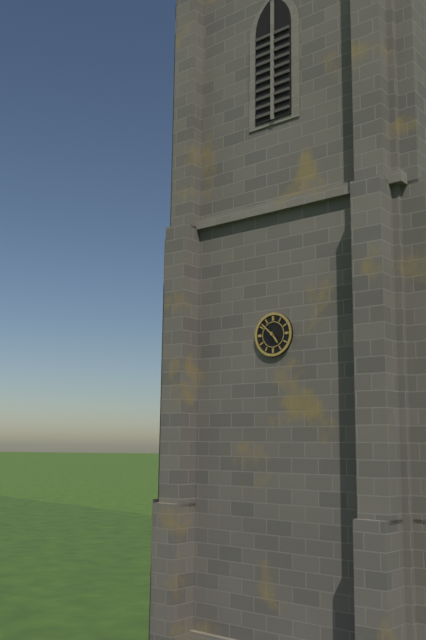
4:52
